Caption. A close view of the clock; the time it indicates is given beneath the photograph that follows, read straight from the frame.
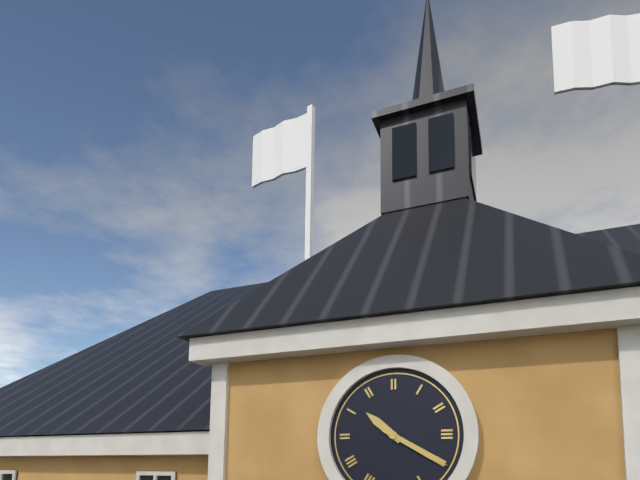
10:20
